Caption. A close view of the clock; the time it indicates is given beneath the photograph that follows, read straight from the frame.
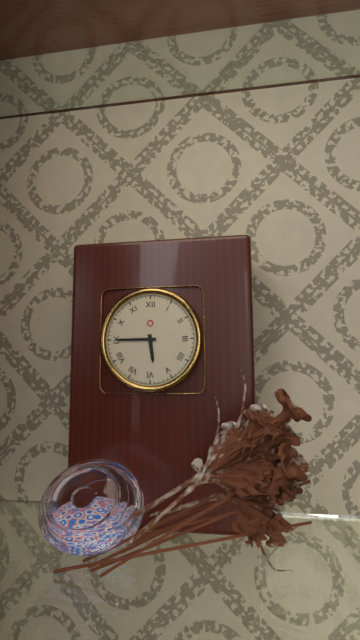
5:45
